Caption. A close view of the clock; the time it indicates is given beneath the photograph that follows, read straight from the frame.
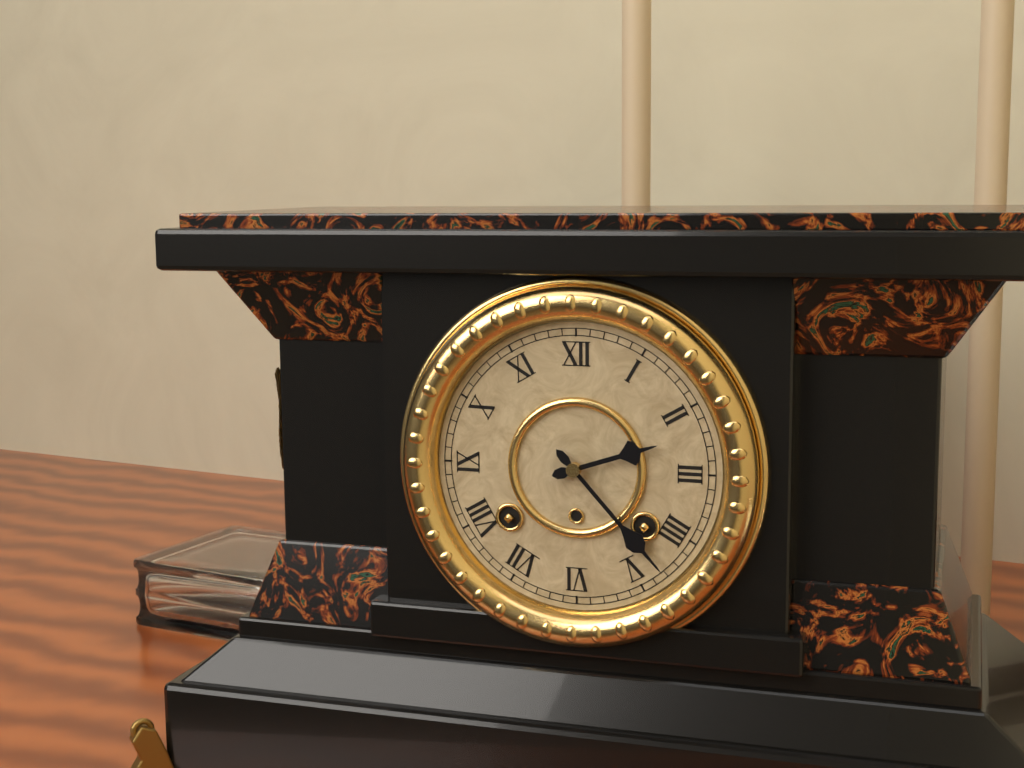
2:23
